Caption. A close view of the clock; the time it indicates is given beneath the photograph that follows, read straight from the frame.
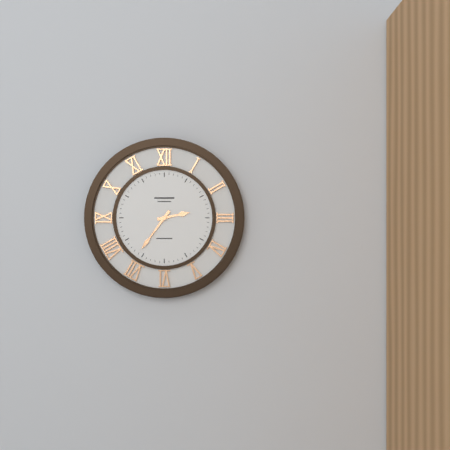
2:36
